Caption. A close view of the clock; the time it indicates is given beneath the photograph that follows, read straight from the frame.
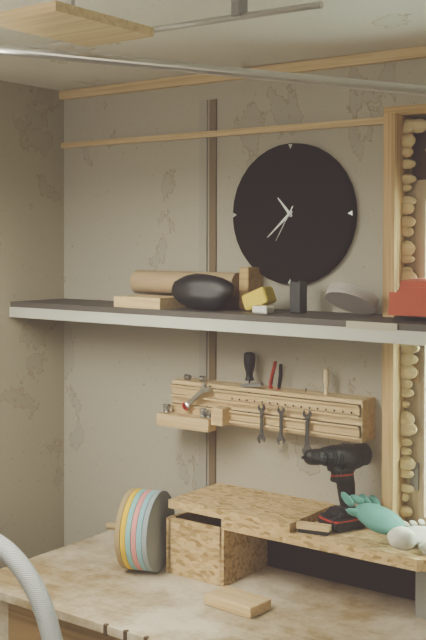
10:38
